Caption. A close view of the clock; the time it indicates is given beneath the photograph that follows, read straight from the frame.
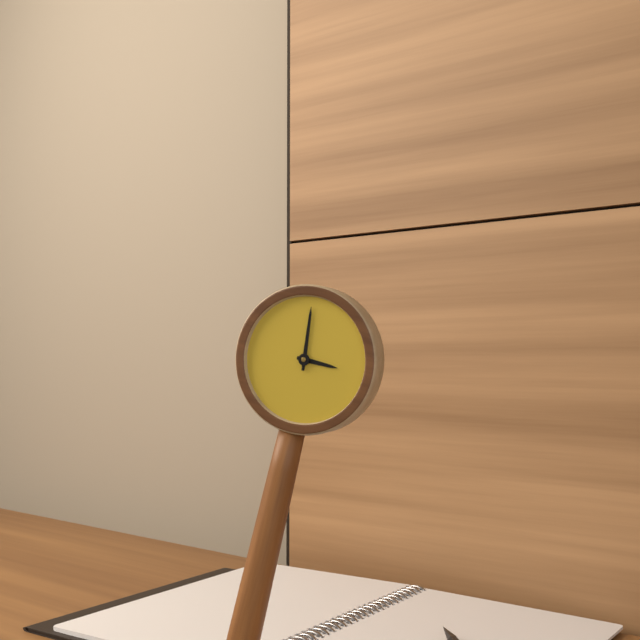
2:59
